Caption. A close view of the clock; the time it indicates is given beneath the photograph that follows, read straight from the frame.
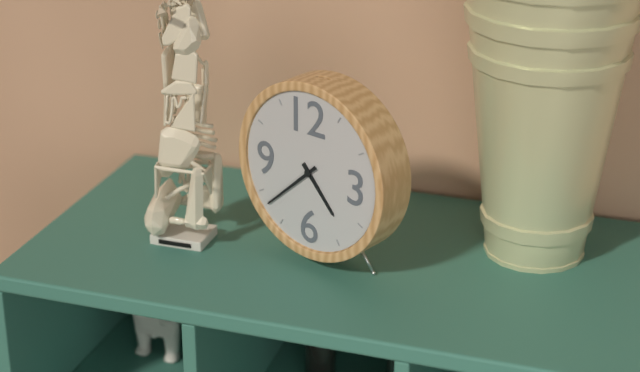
4:38
